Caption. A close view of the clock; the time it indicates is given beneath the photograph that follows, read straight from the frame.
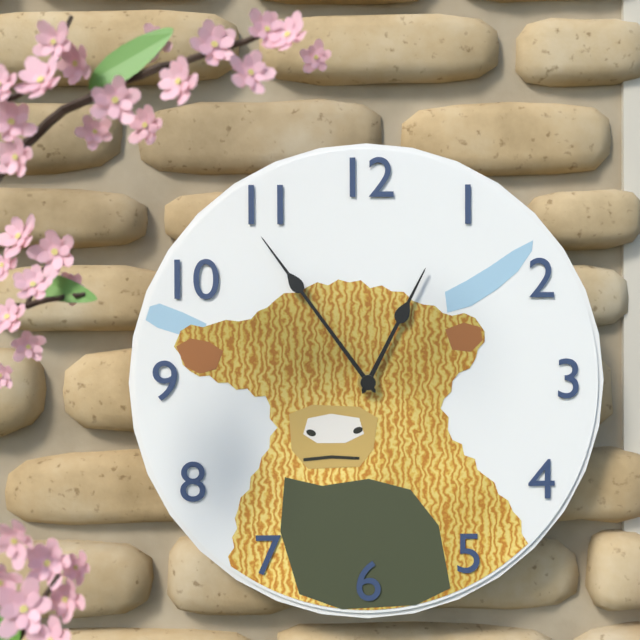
12:54
